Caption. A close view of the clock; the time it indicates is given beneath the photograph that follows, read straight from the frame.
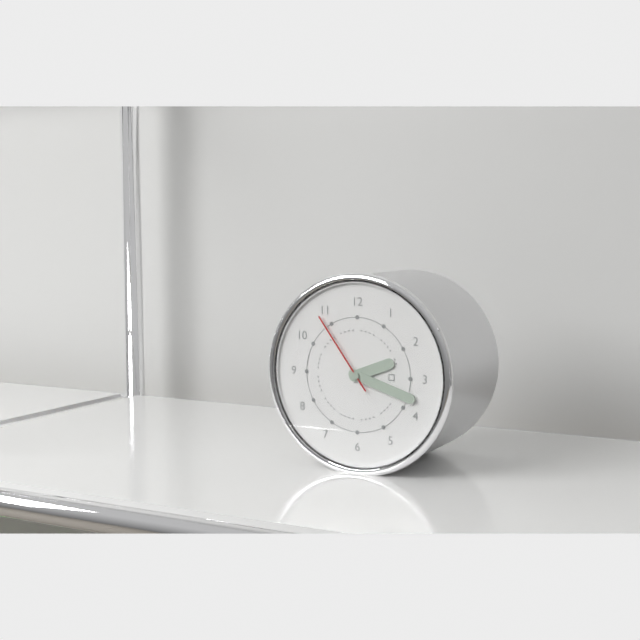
2:18:54
